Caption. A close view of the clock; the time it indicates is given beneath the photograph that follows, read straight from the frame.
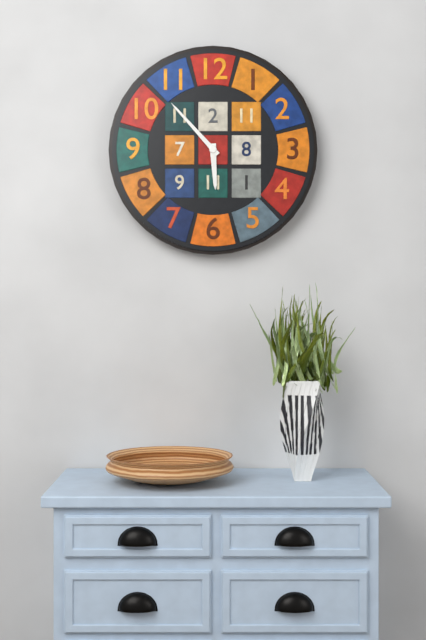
5:53
